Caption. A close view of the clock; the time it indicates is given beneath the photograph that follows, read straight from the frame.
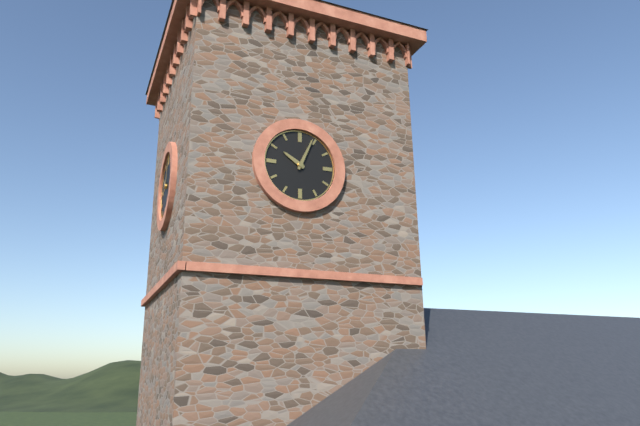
10:04
